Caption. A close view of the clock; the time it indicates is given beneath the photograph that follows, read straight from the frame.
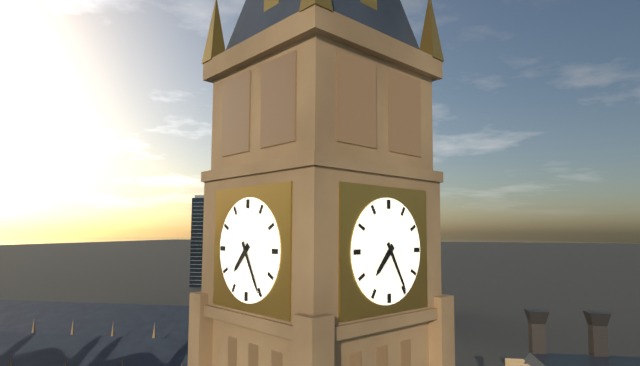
7:25
